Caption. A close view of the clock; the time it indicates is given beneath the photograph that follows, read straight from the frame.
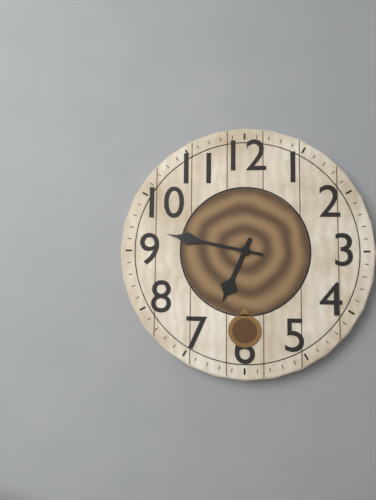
6:47
